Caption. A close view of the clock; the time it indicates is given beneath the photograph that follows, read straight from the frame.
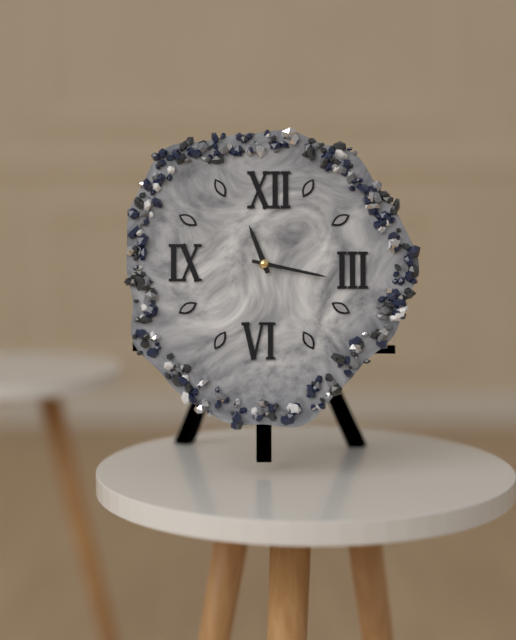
11:17
